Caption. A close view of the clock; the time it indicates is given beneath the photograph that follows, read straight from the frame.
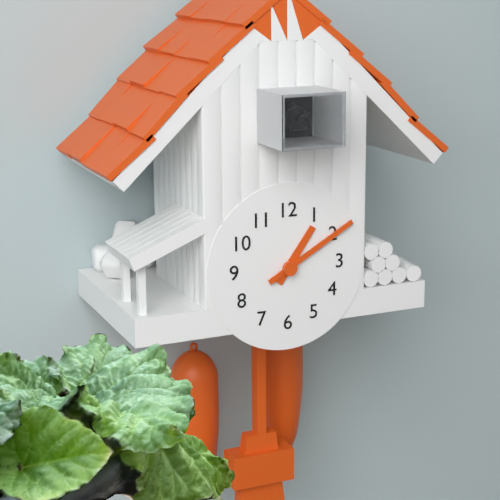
1:10
